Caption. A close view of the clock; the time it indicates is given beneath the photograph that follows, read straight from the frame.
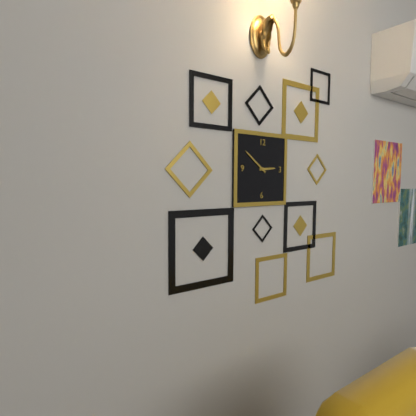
2:51
